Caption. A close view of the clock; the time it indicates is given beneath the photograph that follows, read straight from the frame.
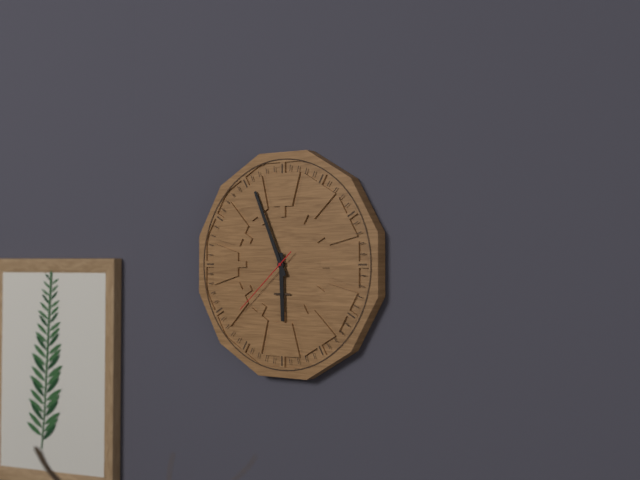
5:56:38
